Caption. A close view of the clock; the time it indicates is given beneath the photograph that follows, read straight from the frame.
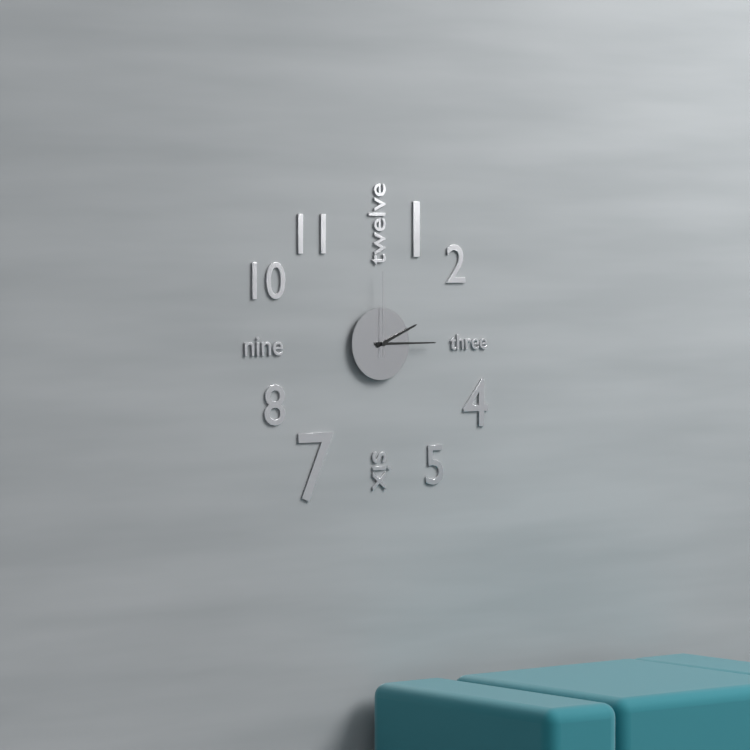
2:15:00
